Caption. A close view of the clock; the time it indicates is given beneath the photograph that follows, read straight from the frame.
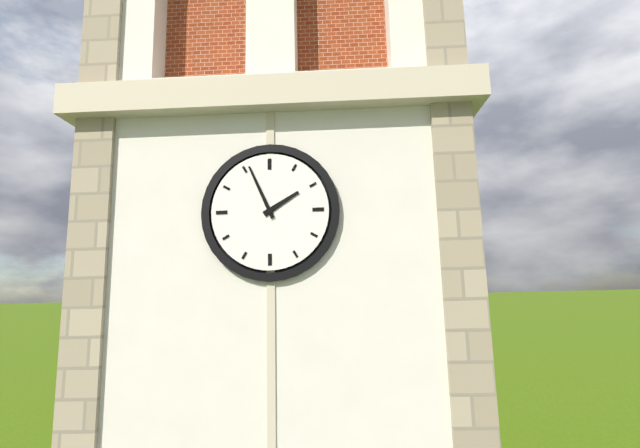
1:56
